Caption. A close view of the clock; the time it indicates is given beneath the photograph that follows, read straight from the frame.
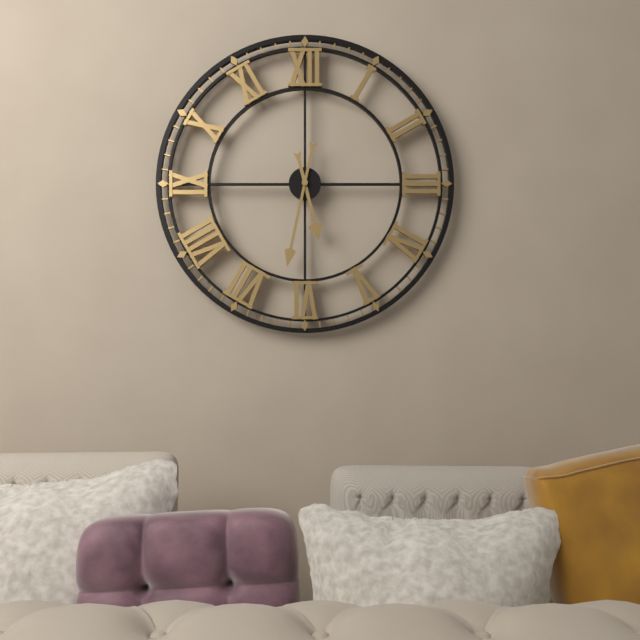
5:32
